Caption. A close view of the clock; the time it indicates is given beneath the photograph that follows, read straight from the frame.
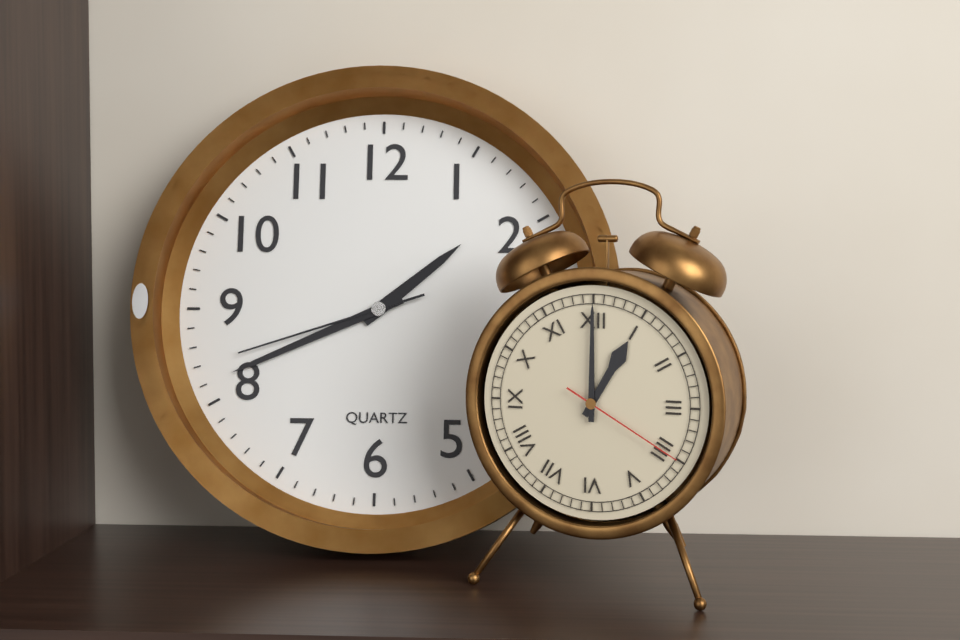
1:41:42
